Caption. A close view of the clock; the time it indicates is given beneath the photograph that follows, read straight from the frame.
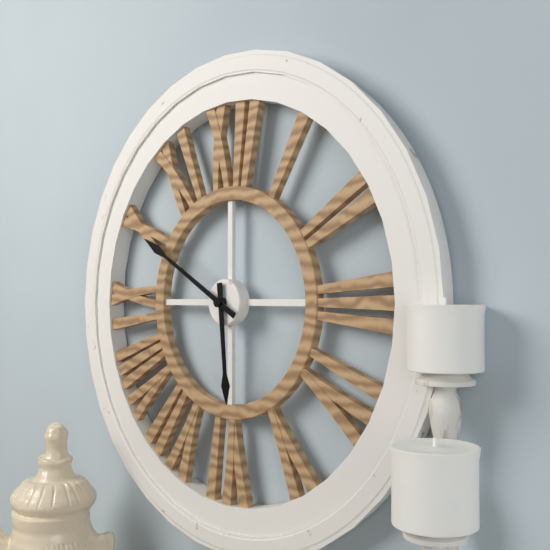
5:50
